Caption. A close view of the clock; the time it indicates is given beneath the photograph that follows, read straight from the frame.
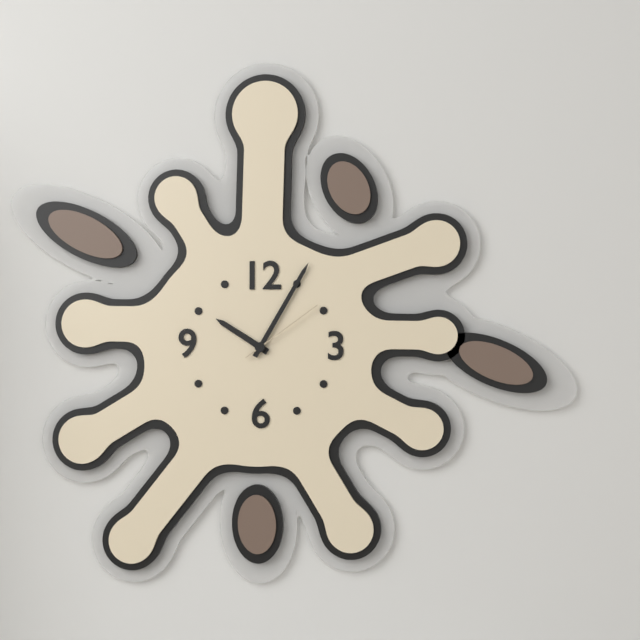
10:05:09
